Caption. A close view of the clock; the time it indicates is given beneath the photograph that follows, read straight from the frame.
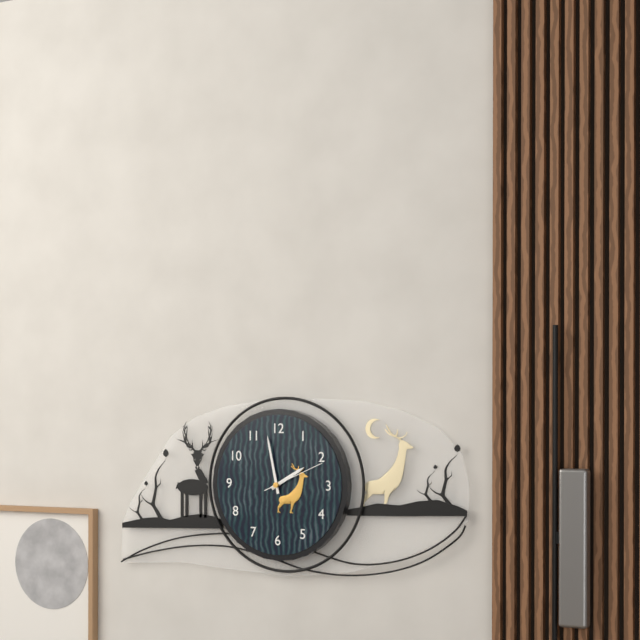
1:58:11
